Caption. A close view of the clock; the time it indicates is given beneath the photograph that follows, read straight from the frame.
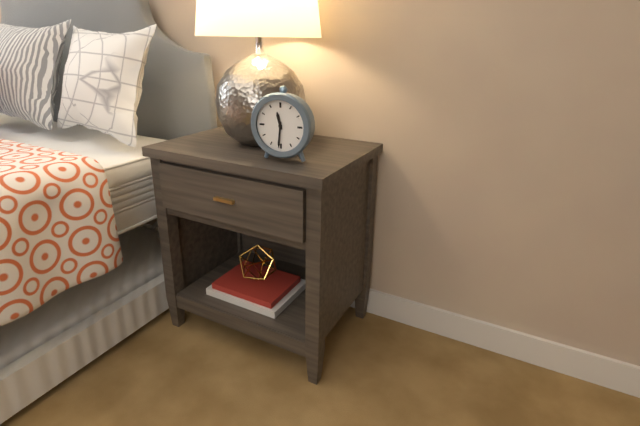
11:31
